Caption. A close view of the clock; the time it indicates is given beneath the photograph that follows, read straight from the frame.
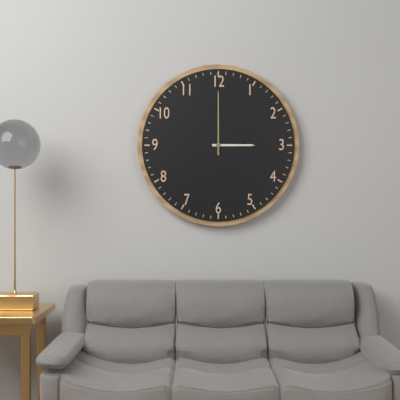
3:00
